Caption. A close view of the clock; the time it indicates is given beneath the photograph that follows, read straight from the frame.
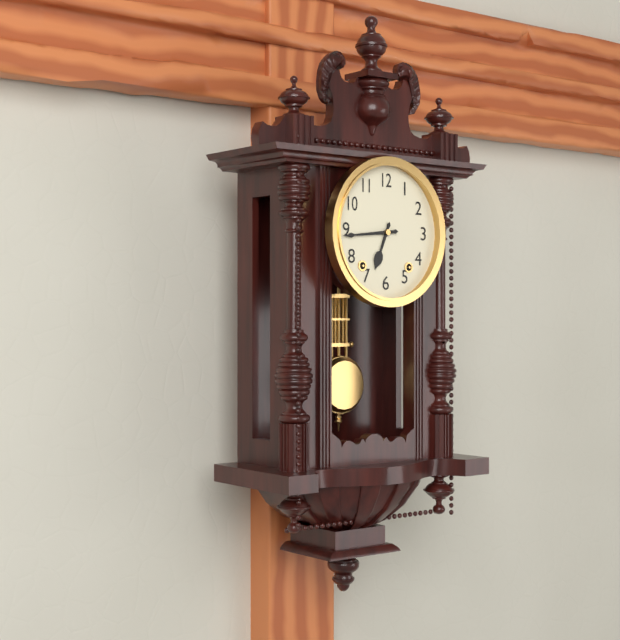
6:44
